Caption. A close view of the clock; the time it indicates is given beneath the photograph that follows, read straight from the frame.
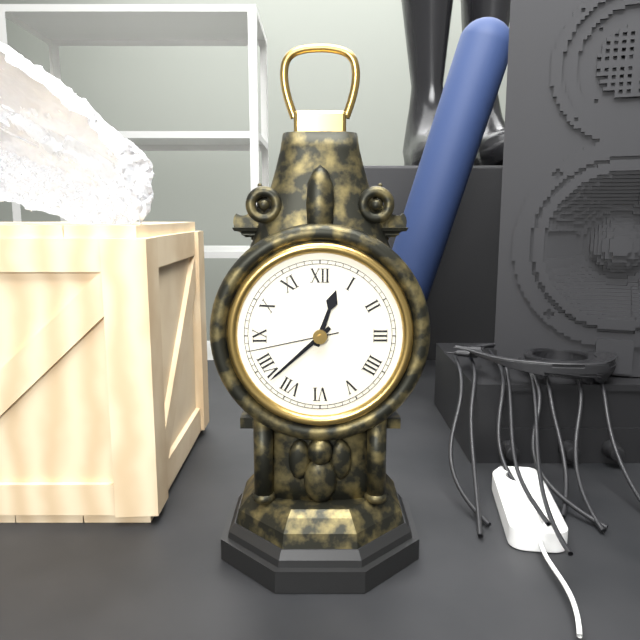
12:38:43
